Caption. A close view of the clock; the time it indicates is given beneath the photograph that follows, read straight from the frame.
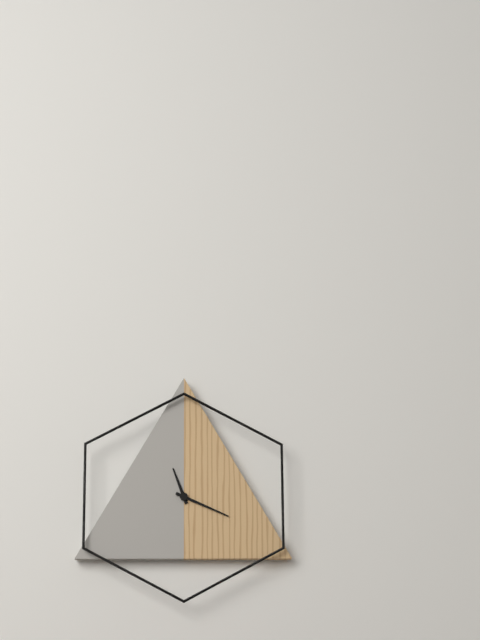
11:19
